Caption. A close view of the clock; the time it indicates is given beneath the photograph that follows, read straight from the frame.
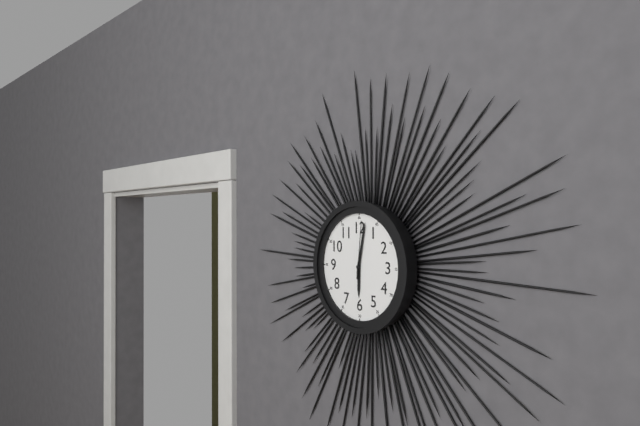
6:02:01
